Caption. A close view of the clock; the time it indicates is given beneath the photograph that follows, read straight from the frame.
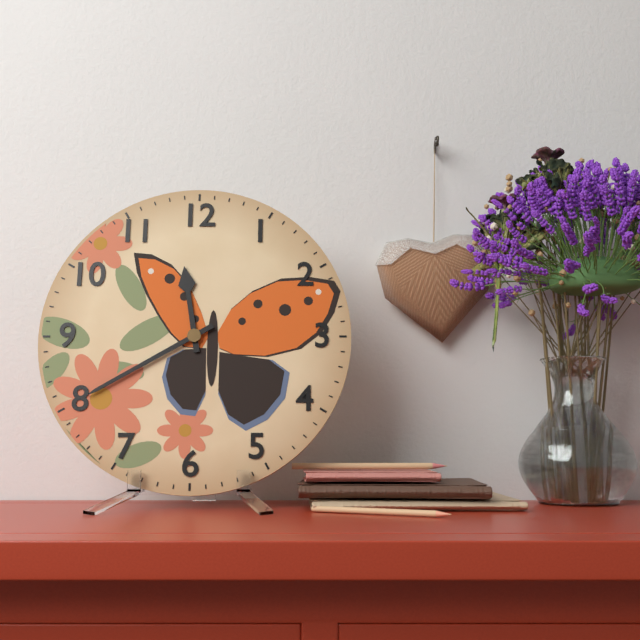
11:40
